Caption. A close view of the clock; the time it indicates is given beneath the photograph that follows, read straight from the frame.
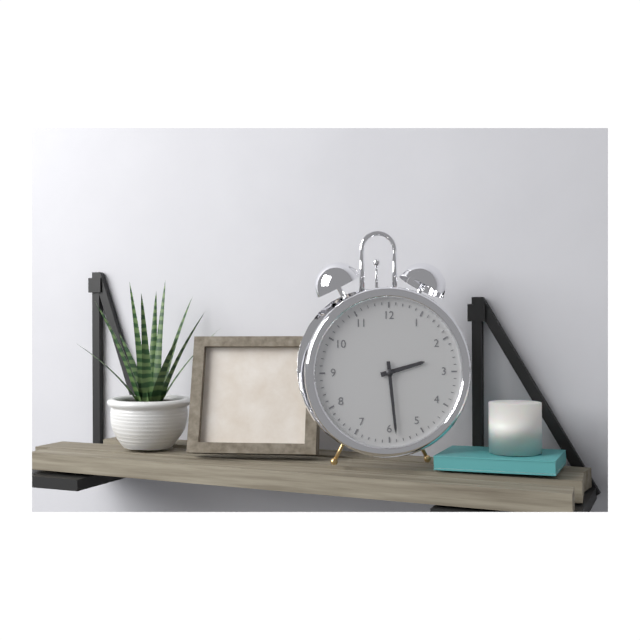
2:29
